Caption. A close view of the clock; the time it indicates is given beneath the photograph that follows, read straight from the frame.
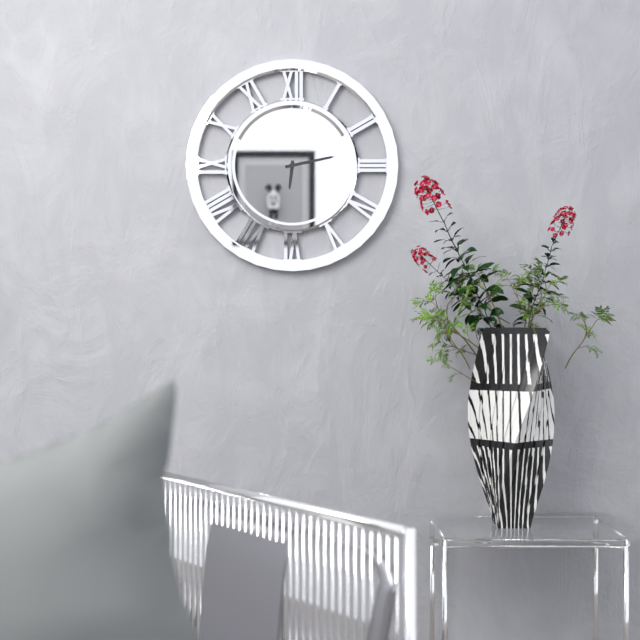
6:13
